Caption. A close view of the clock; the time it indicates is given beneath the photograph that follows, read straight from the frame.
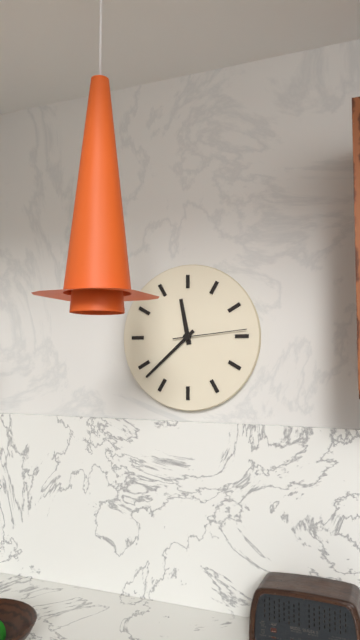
11:38:14
